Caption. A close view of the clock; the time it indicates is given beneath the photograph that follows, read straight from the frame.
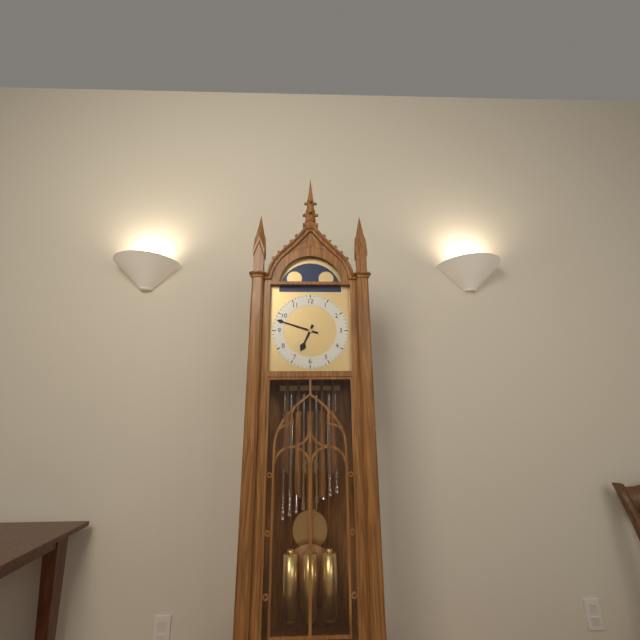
6:48
